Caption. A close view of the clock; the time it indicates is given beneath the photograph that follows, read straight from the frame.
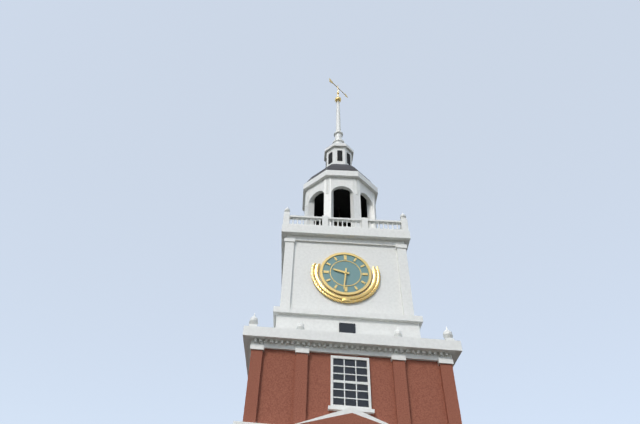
9:31
